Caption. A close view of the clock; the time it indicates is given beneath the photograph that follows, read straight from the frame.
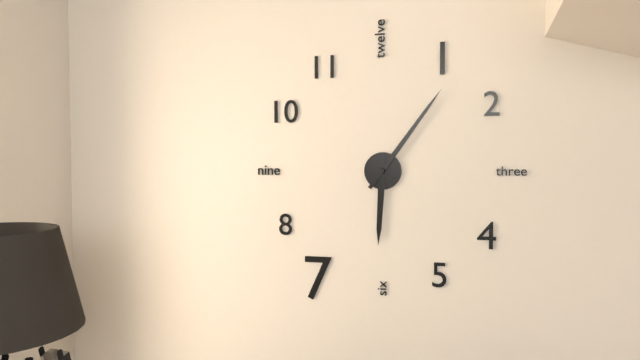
6:06
